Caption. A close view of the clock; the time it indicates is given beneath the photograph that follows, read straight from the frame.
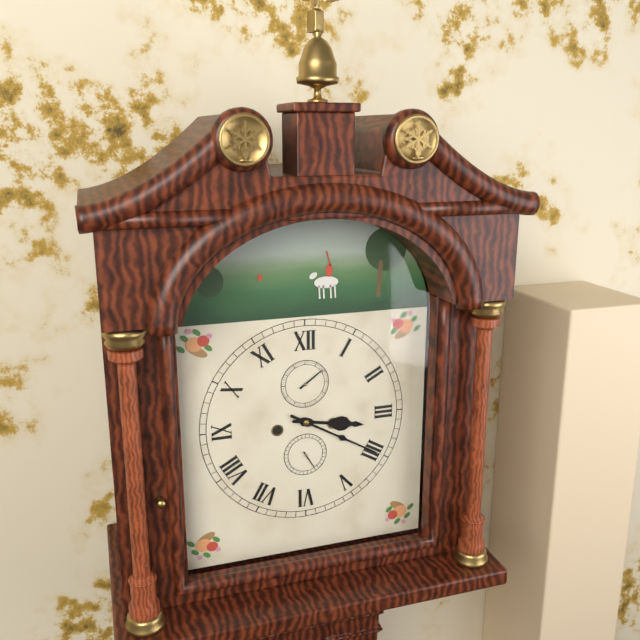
3:20
